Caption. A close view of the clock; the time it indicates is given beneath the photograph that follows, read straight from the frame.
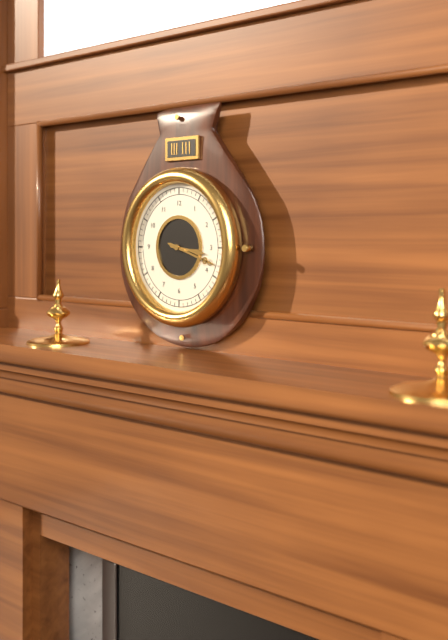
3:18
